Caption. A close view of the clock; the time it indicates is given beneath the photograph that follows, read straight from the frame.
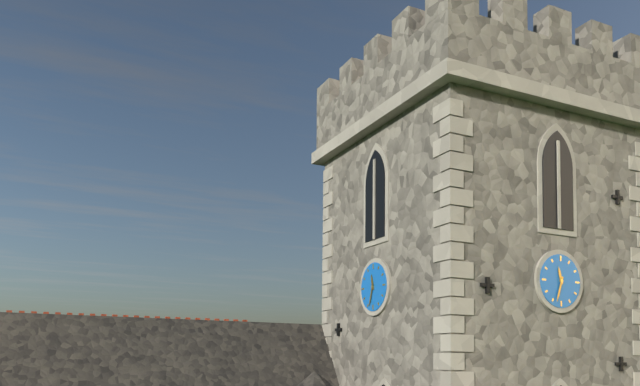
11:33
